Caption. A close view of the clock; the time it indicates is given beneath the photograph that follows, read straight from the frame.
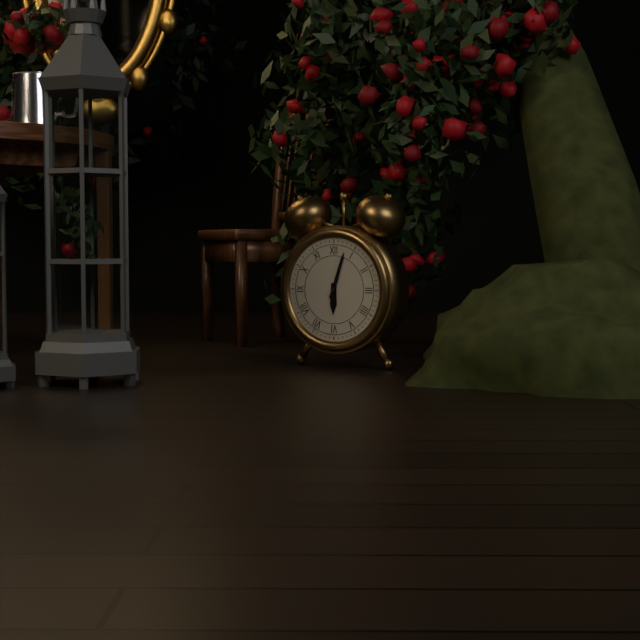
6:03
